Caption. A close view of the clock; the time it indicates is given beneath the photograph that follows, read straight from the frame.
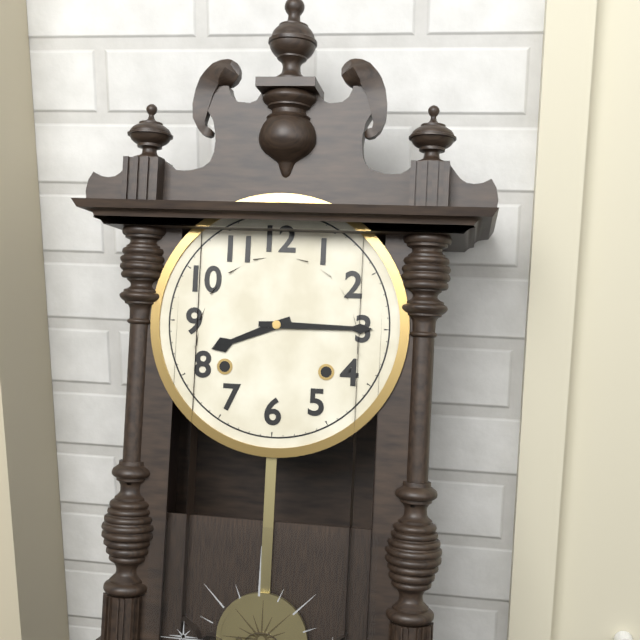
8:15
